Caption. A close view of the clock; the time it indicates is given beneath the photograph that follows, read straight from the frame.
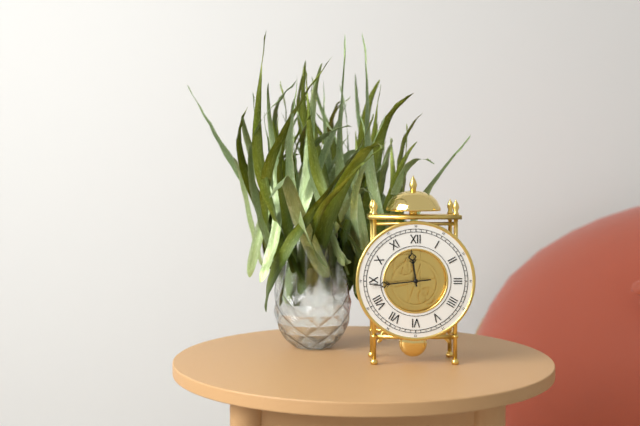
11:44
